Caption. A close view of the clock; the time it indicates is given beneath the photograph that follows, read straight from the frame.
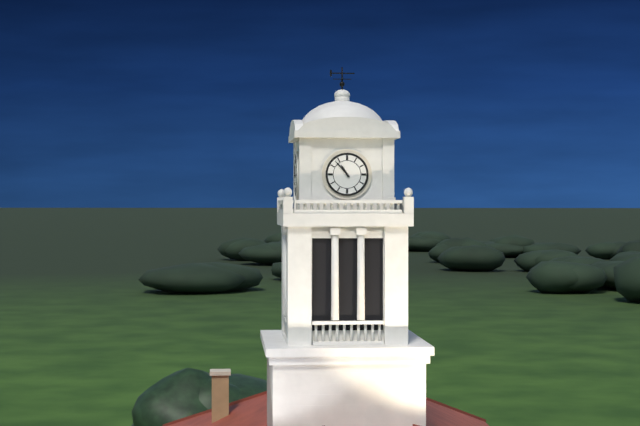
10:53
